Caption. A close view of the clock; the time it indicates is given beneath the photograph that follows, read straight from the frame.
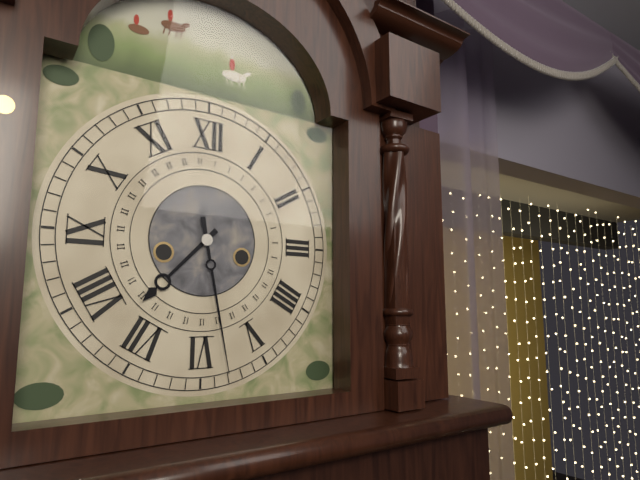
7:28
